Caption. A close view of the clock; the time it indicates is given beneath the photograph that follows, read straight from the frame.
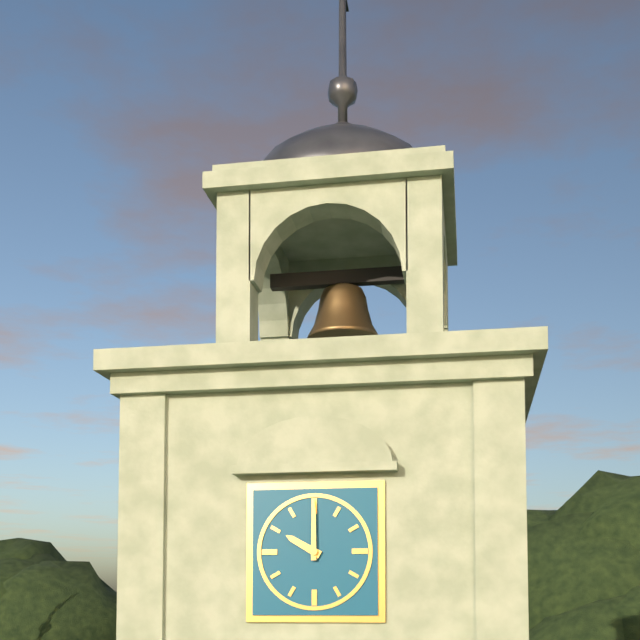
10:00
